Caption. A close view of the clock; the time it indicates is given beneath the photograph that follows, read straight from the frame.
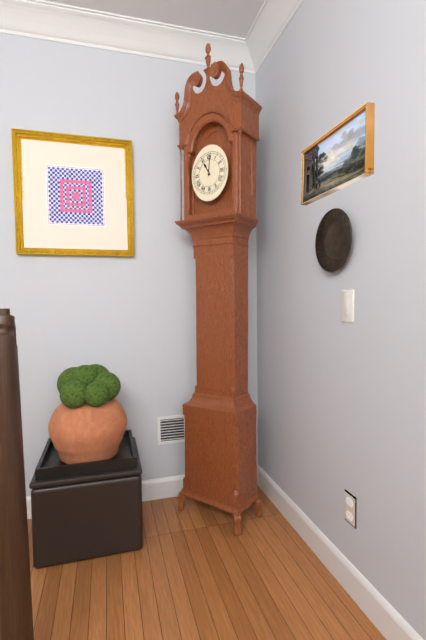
11:01
